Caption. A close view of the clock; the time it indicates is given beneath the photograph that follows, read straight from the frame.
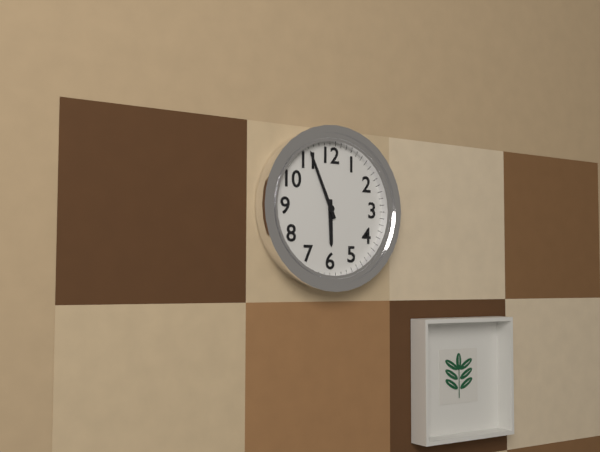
5:56
